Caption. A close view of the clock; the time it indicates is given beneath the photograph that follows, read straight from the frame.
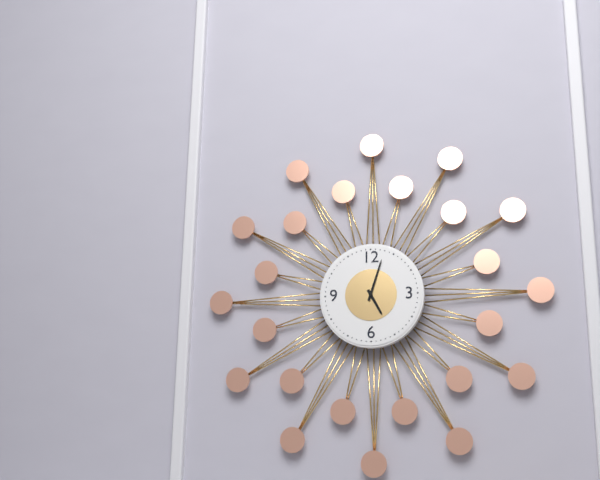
5:03
